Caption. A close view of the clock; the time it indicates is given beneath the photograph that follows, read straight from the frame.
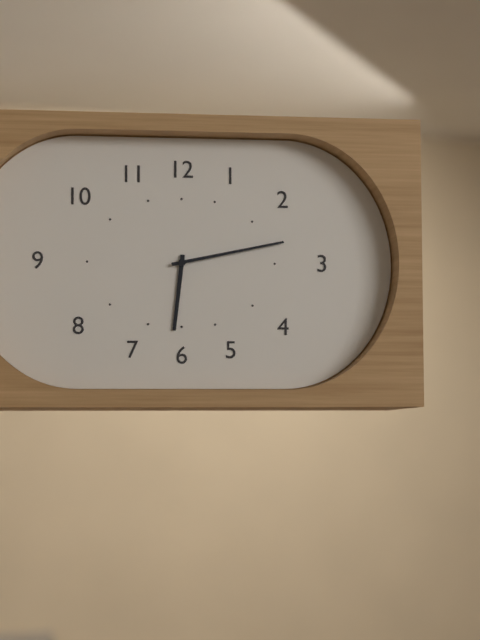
6:13
